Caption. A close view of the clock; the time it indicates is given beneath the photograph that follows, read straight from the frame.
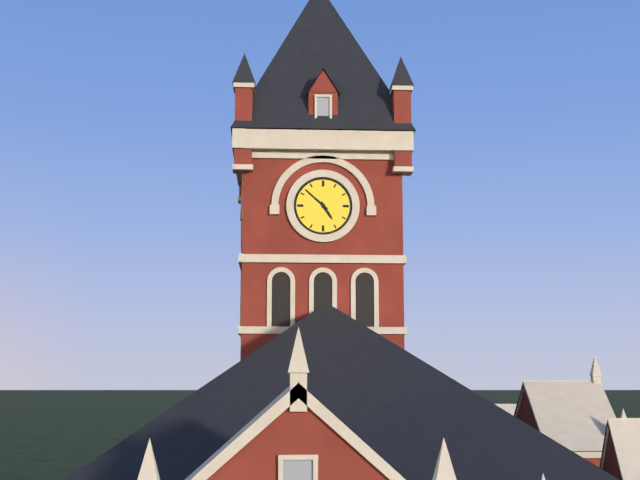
4:52
